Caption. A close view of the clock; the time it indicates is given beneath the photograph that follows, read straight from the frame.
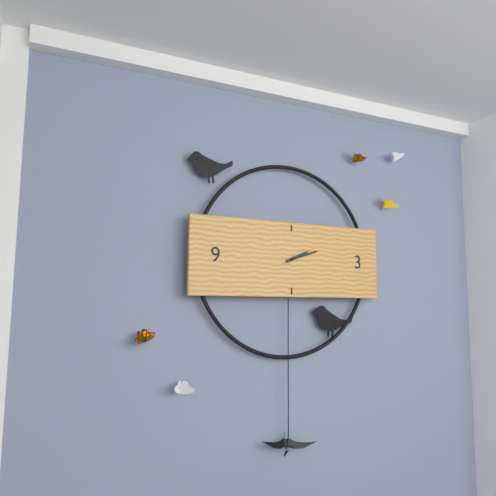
2:12
